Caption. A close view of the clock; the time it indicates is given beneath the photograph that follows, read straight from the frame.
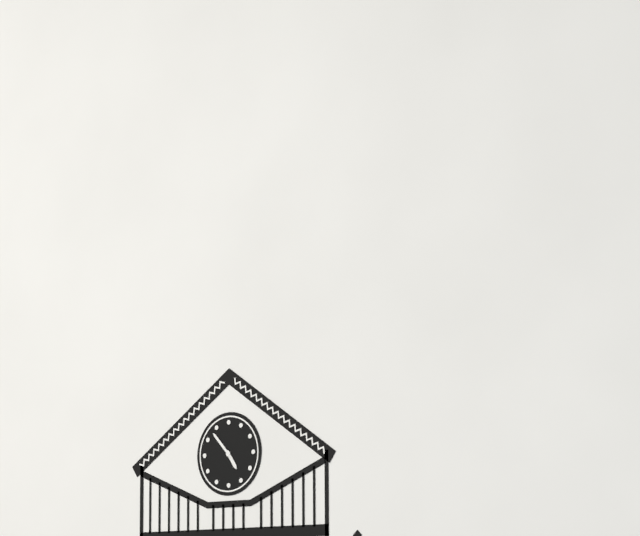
4:53
